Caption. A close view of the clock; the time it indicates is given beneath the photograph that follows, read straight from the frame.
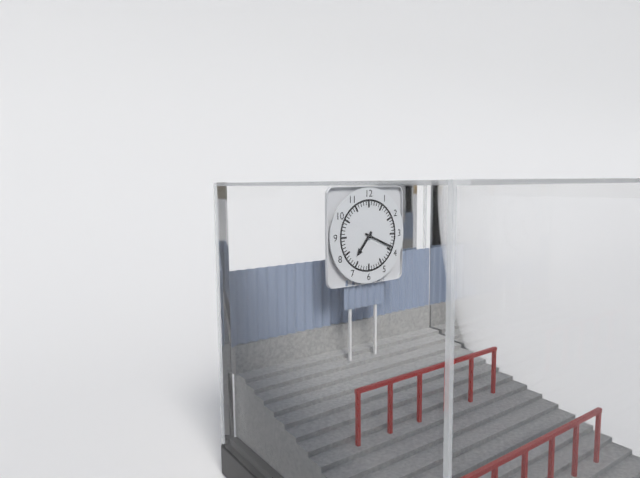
7:19
